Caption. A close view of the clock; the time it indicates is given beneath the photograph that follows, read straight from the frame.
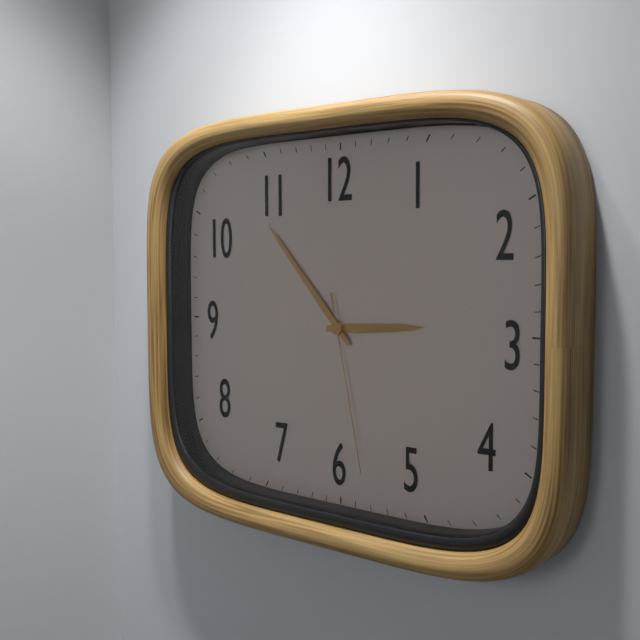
2:53:28
